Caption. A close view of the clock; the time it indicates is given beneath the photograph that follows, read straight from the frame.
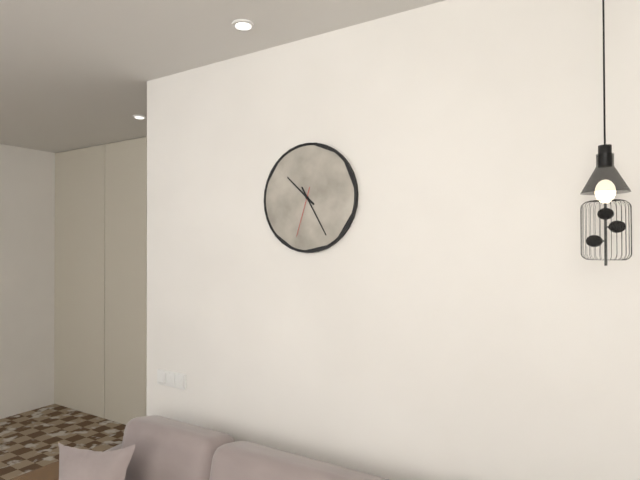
10:25:33
